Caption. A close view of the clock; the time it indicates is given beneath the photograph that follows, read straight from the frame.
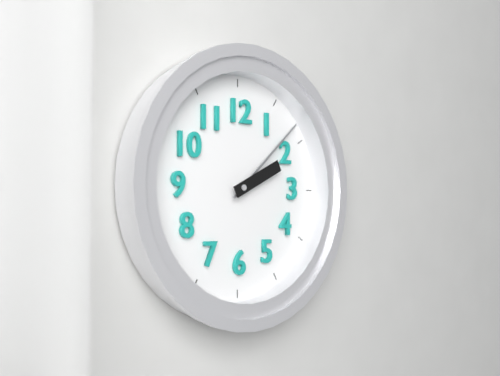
2:08
